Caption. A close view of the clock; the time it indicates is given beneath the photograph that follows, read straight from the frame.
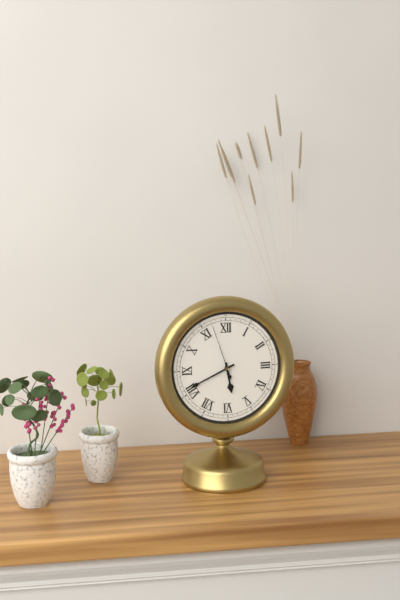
5:41:57
